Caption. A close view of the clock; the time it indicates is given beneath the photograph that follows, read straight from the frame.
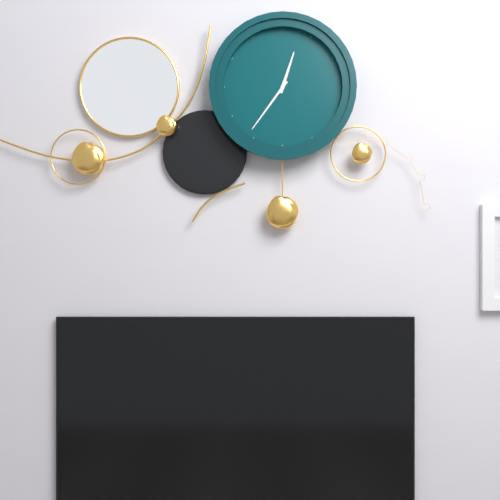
12:36
